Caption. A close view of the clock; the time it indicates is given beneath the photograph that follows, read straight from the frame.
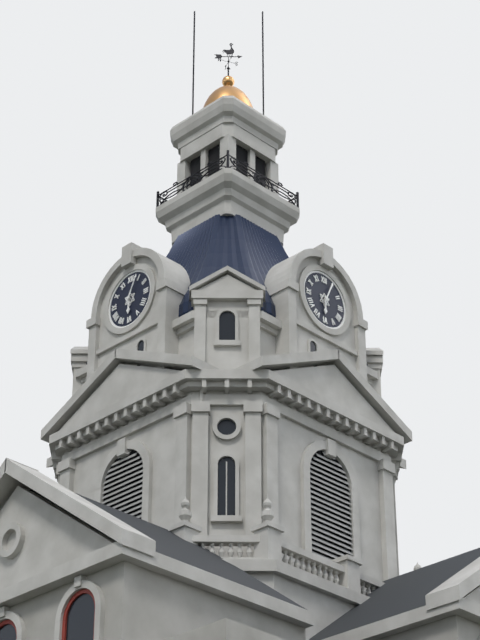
6:04
